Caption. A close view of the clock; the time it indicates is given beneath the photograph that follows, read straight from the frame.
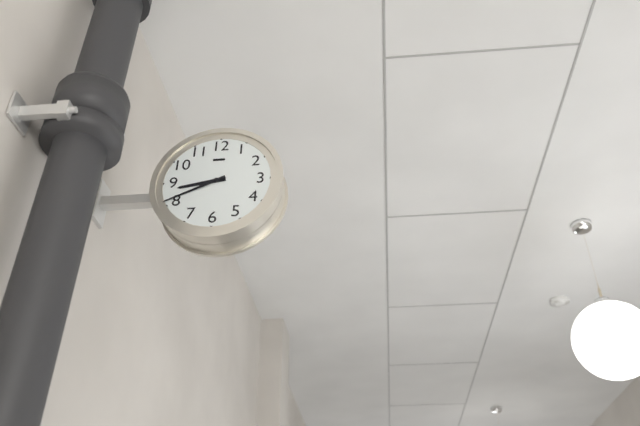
8:41
